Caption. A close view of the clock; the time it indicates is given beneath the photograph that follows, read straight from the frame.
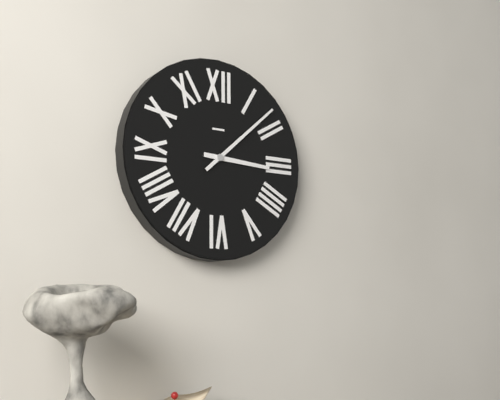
3:08
